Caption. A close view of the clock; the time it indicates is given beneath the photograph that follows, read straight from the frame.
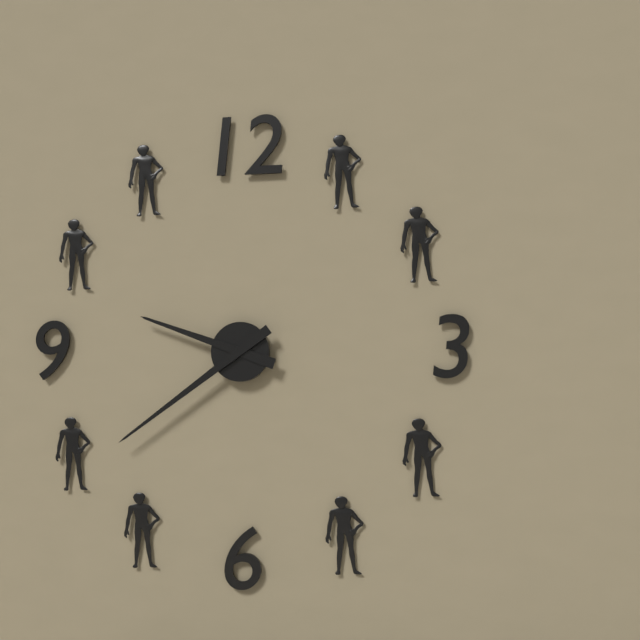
9:39
